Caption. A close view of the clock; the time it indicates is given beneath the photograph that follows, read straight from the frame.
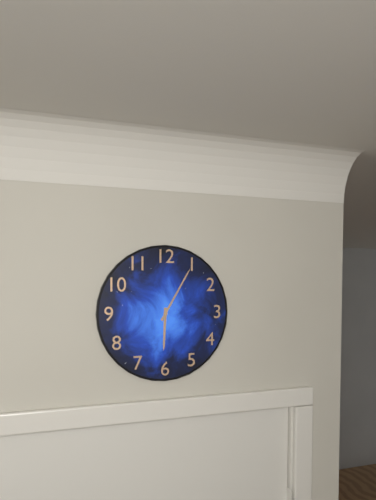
6:05
